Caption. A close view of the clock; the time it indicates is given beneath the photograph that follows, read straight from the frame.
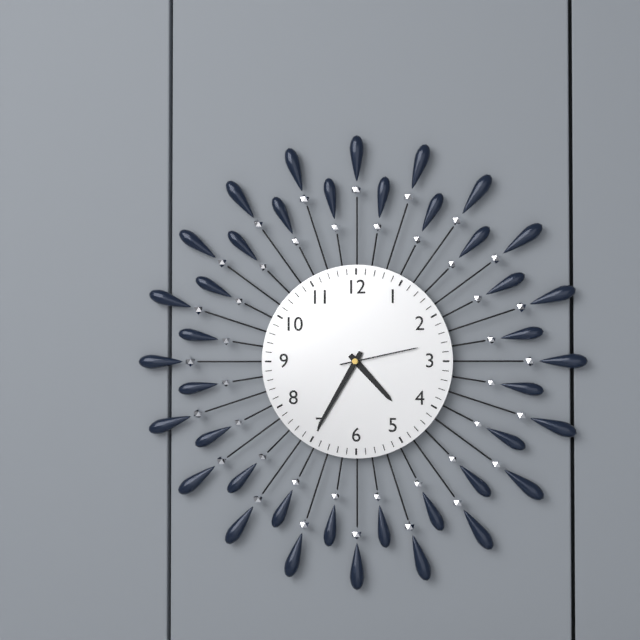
4:35:13
